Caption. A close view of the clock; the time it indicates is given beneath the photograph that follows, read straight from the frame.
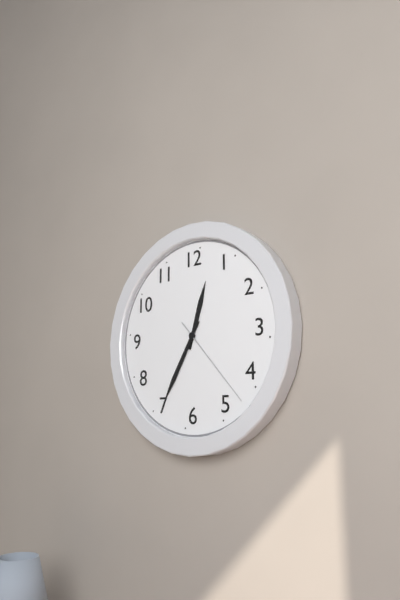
12:35:23
